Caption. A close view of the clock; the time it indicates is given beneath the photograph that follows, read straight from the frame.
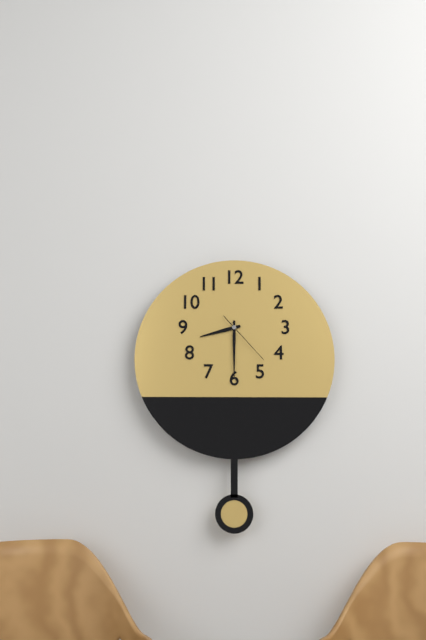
8:30:23
